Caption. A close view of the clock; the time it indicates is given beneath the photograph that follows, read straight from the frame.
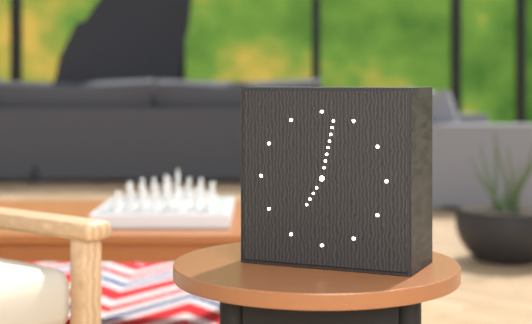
7:02
